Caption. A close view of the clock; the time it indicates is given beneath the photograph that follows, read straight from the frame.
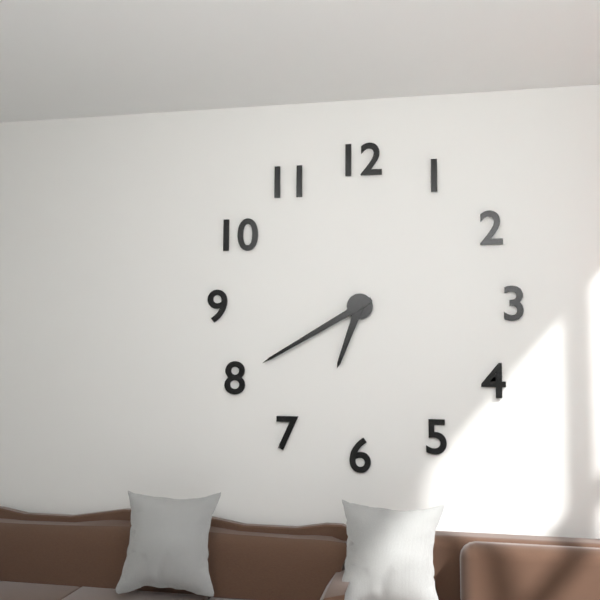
6:40
